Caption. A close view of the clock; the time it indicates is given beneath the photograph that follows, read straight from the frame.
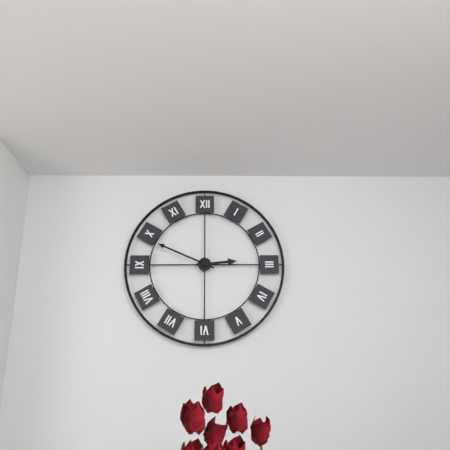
2:49
